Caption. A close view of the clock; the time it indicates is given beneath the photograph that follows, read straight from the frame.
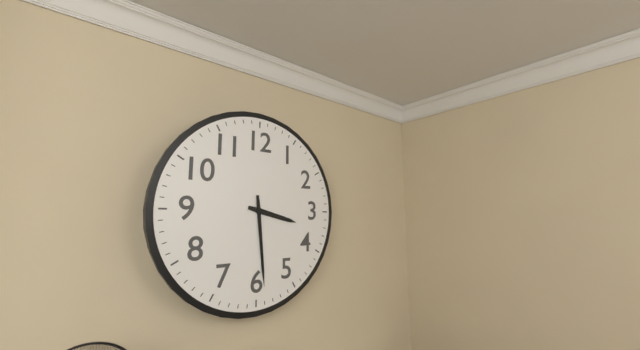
3:29
